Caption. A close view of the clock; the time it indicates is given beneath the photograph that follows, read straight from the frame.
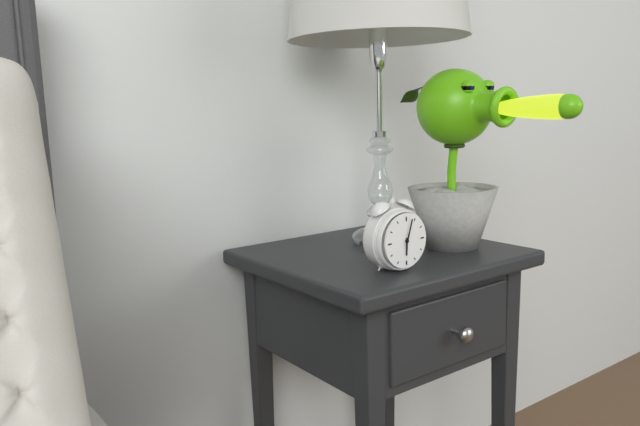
6:03
